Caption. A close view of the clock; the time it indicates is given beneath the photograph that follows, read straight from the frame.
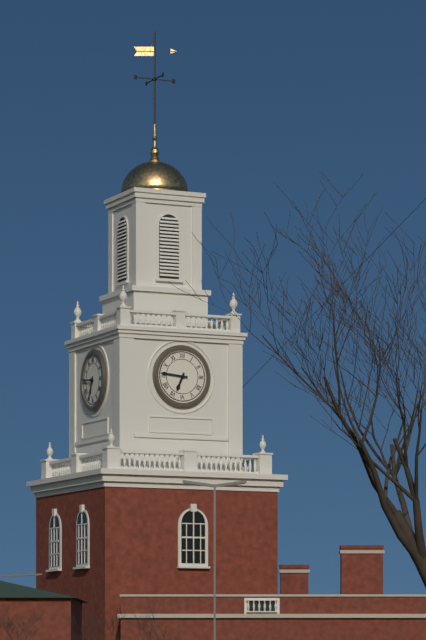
6:46
